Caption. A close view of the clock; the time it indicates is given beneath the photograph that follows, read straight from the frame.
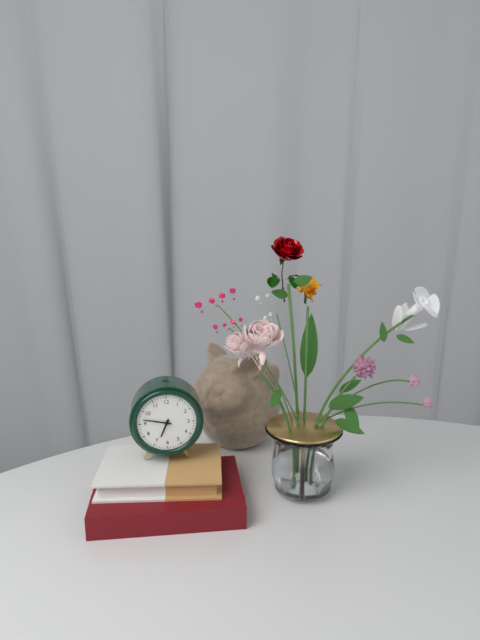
6:47
